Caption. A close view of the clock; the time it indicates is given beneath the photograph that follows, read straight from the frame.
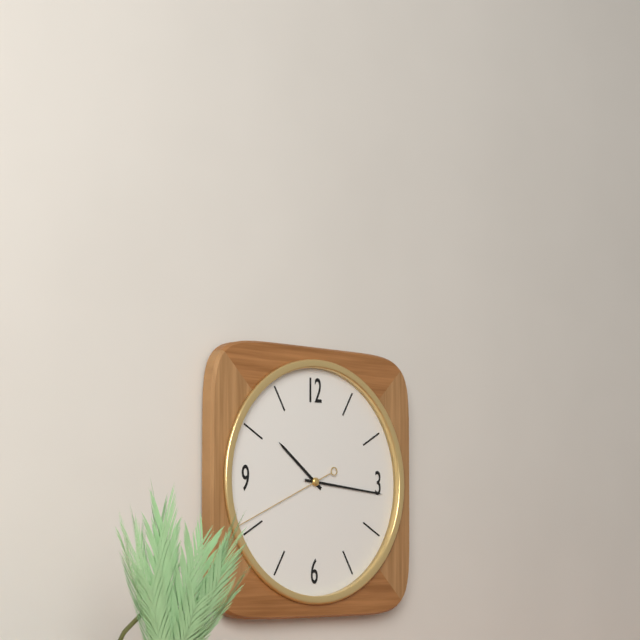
10:16:41
